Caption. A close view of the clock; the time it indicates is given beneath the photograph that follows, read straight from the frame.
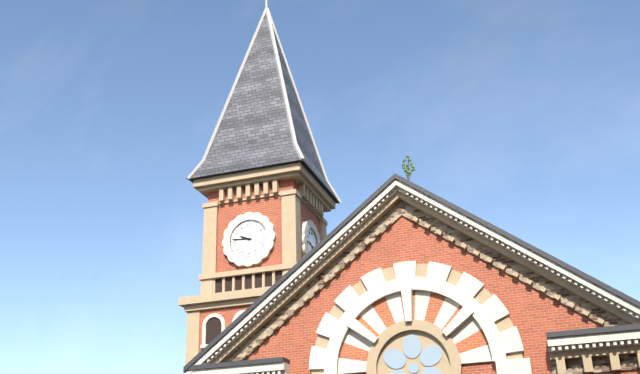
9:46
